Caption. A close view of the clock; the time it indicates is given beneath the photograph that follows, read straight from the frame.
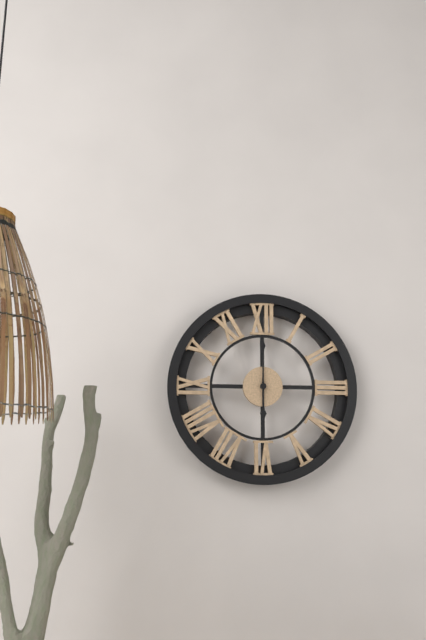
6:00
